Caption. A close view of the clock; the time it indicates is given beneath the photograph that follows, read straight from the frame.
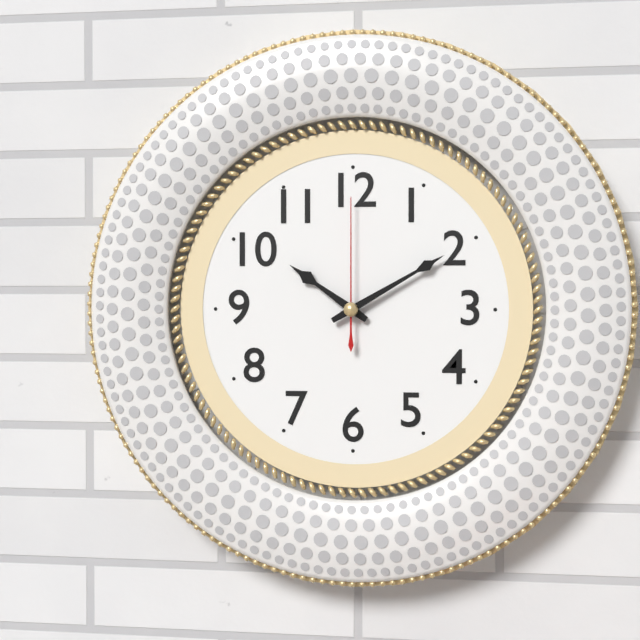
10:10:00
